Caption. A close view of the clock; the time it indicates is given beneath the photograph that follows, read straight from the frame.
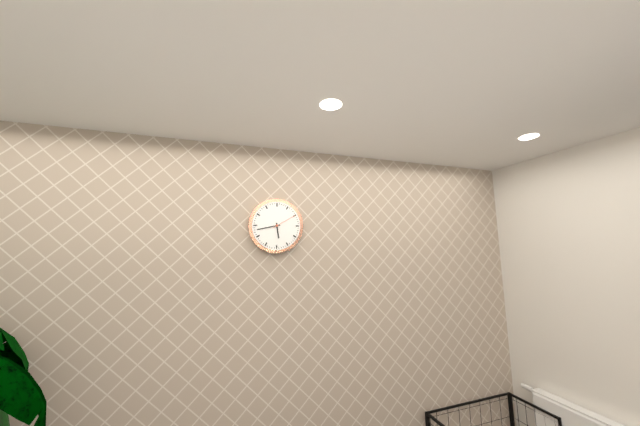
5:43
